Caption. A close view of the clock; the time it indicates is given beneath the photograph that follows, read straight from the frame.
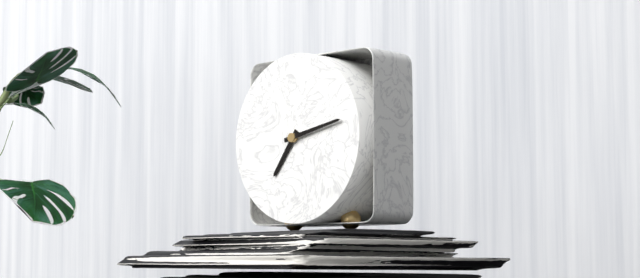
7:13
